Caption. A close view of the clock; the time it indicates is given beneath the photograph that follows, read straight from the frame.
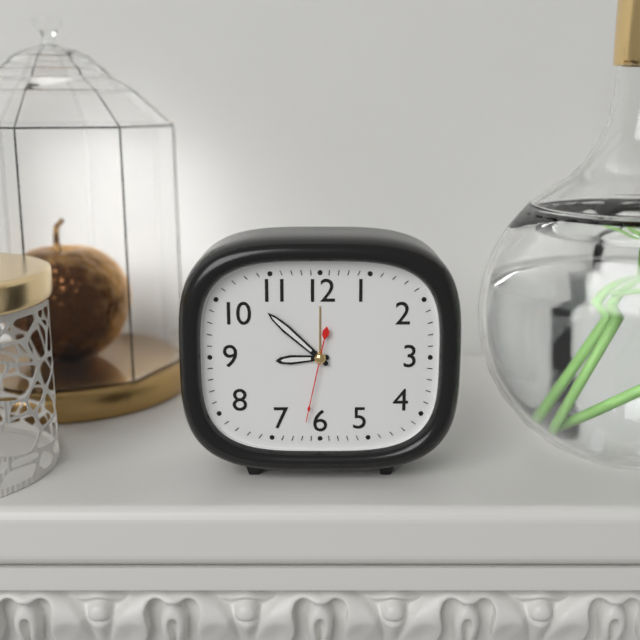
8:52:32
